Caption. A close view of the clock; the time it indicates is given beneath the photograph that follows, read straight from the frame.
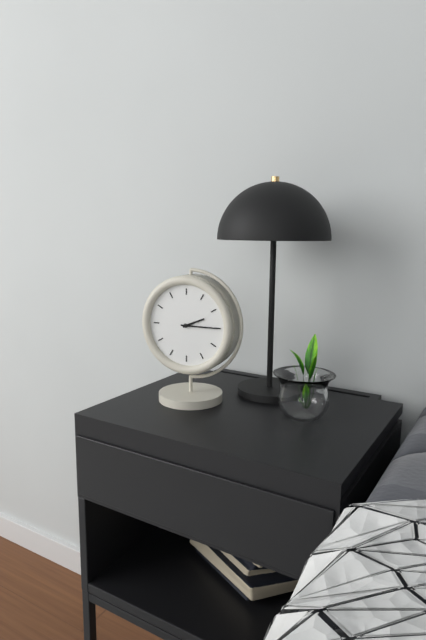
2:15
